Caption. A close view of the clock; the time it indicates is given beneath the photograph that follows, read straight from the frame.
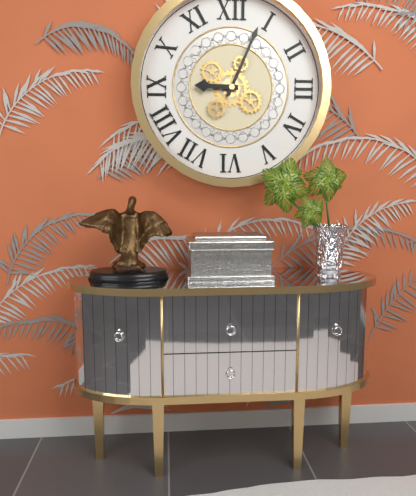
9:04
